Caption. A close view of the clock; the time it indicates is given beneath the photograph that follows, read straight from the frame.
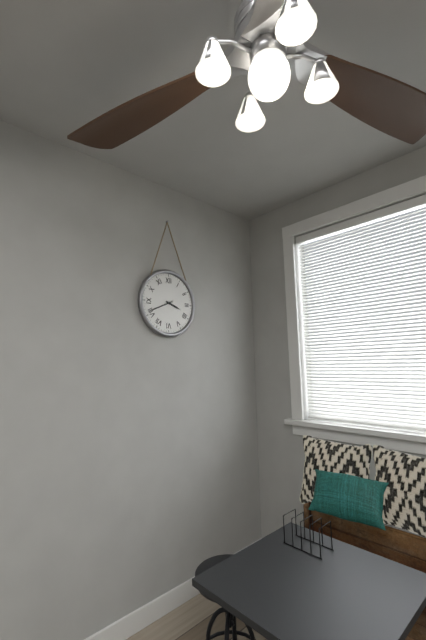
3:41
